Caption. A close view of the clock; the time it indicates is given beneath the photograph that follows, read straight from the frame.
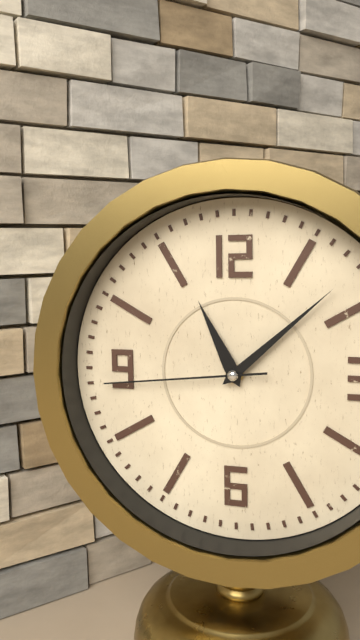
11:08:44
